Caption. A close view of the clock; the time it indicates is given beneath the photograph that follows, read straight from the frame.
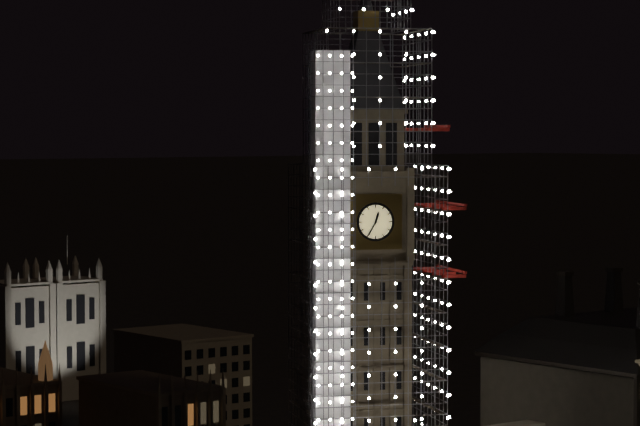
12:35
